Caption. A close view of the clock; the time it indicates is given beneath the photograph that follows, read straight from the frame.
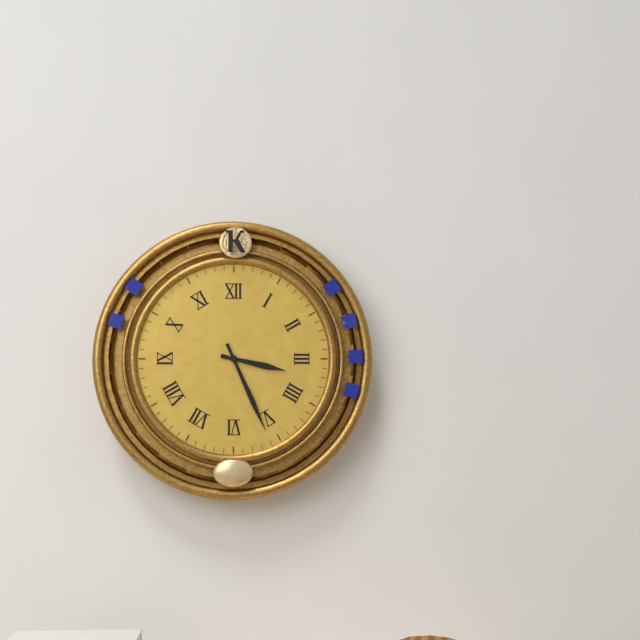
3:26
